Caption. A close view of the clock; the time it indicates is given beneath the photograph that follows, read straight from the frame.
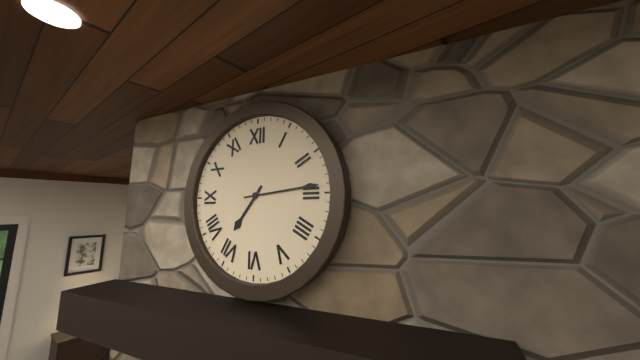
7:14
